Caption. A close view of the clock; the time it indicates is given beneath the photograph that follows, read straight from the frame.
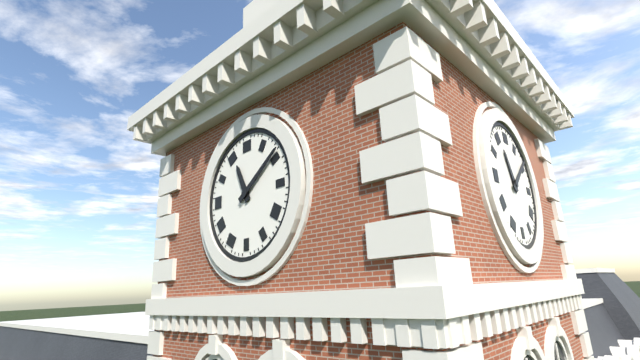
11:09
